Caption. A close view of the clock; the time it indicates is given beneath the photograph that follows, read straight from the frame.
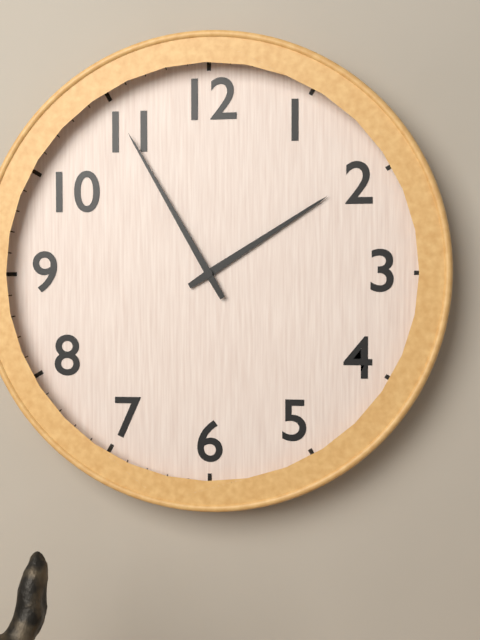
1:55
